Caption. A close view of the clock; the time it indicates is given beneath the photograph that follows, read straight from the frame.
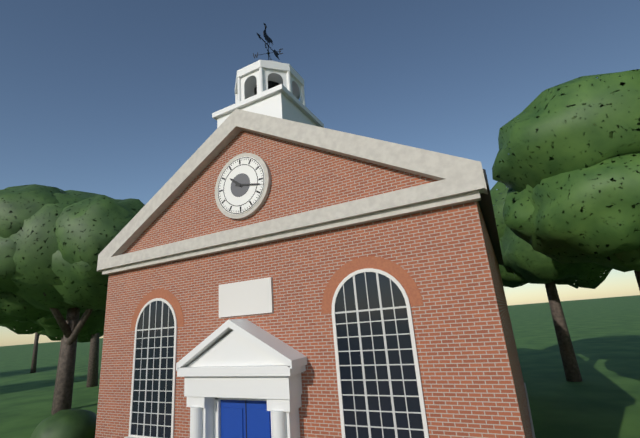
10:17
